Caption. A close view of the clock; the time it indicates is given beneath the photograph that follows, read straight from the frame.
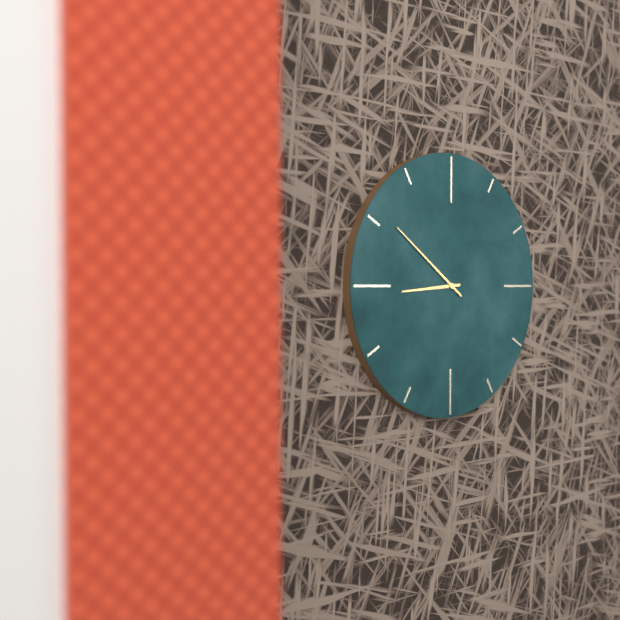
8:51
